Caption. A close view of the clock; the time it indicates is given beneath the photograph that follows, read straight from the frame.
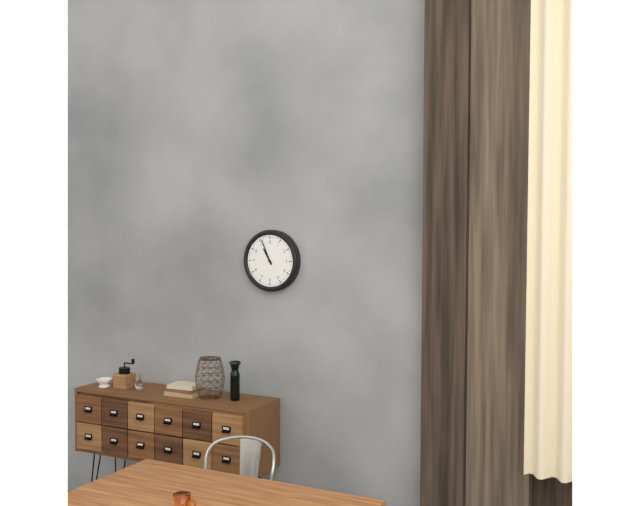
10:56
